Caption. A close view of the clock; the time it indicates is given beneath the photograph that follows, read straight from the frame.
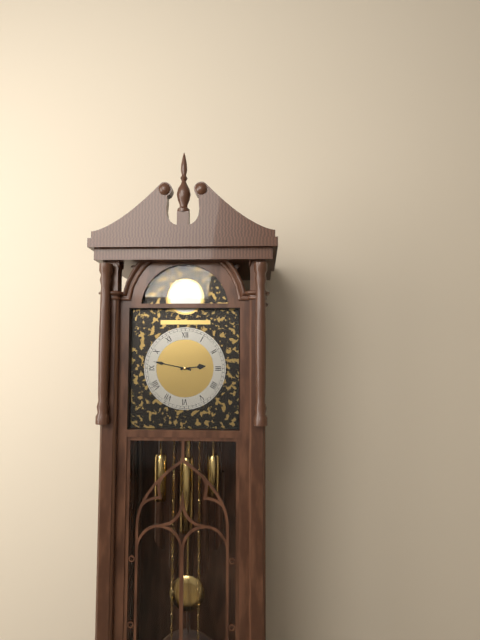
2:47
